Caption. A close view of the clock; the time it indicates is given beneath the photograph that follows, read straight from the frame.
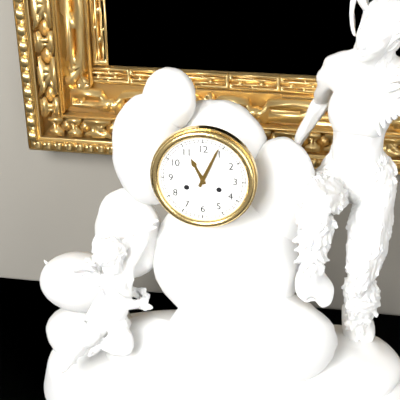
11:04
